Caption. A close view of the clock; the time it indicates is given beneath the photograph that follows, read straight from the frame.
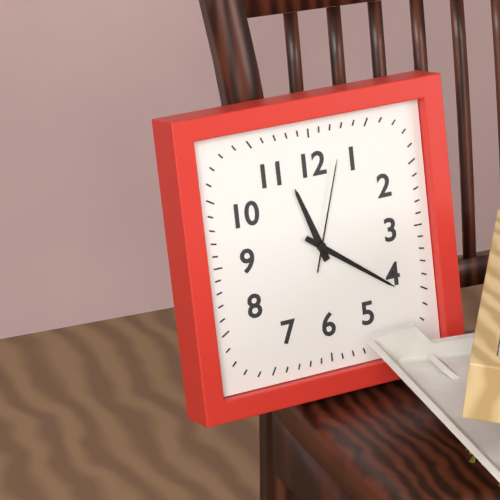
11:21:03
